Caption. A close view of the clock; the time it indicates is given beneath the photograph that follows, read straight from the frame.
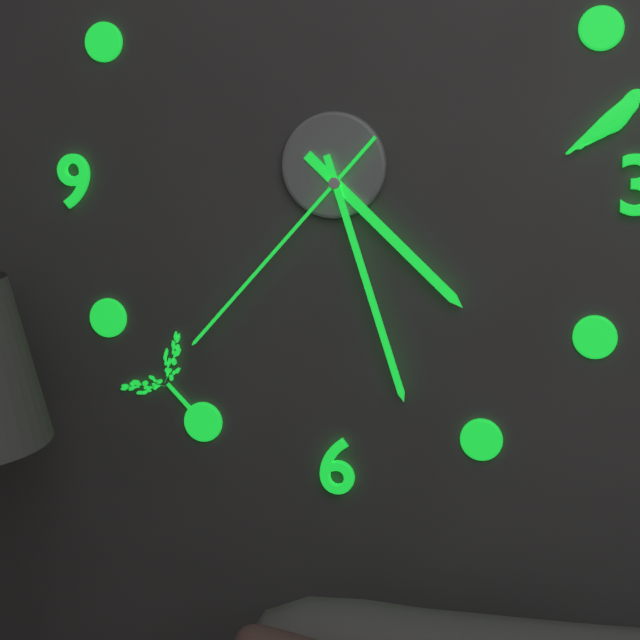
4:27:37
